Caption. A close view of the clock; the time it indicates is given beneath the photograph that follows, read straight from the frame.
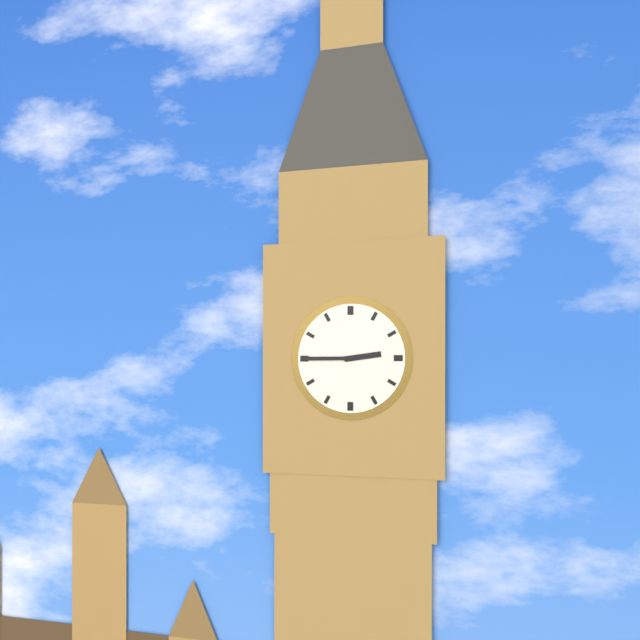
2:45
